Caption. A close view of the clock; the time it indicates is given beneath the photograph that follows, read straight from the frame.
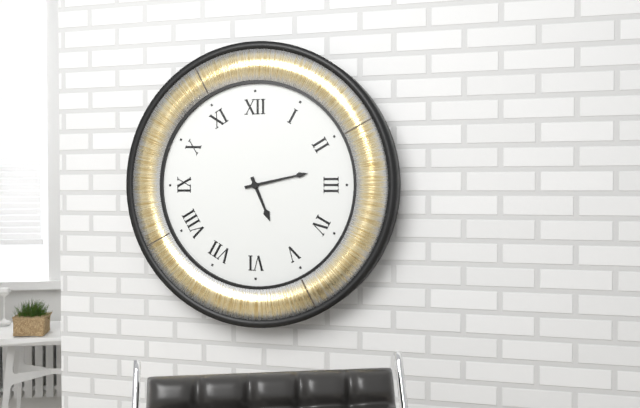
5:13
